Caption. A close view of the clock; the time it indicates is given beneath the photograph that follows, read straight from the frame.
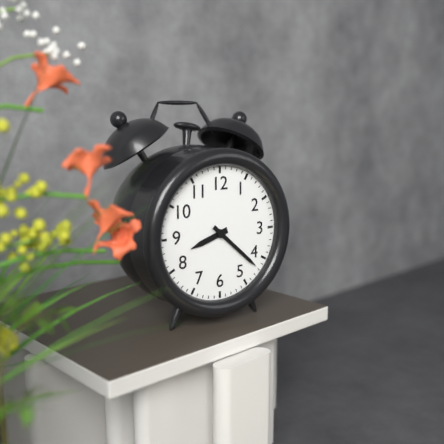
8:22
